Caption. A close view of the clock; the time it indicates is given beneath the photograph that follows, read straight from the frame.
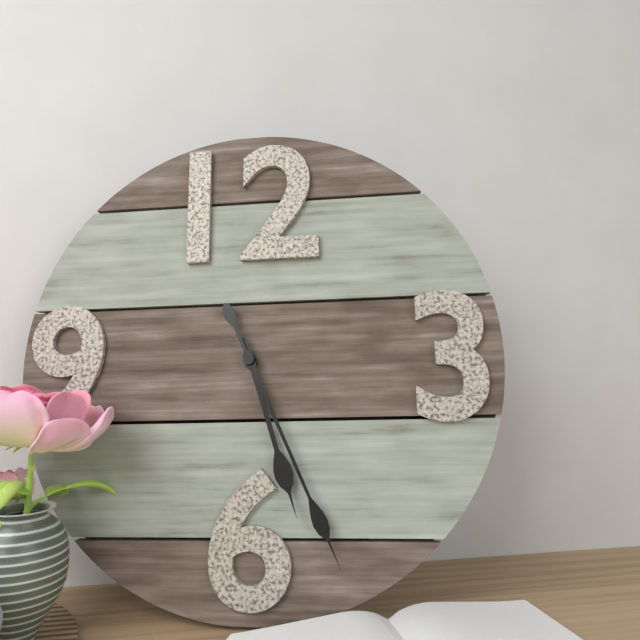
5:26
